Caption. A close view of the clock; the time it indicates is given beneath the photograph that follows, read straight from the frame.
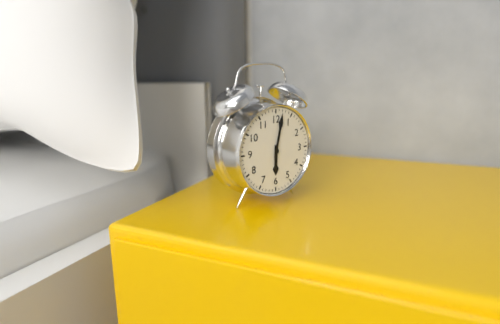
6:02
